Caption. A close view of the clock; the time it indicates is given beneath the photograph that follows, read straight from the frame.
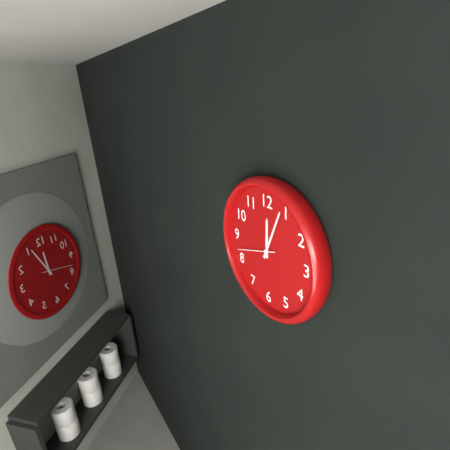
12:04:42
